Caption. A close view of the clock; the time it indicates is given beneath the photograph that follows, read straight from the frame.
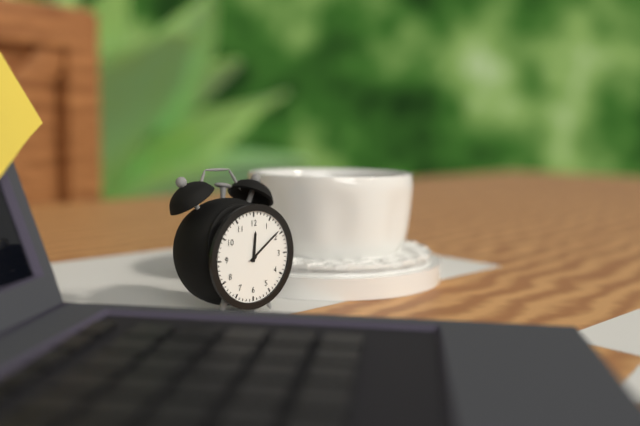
12:09
